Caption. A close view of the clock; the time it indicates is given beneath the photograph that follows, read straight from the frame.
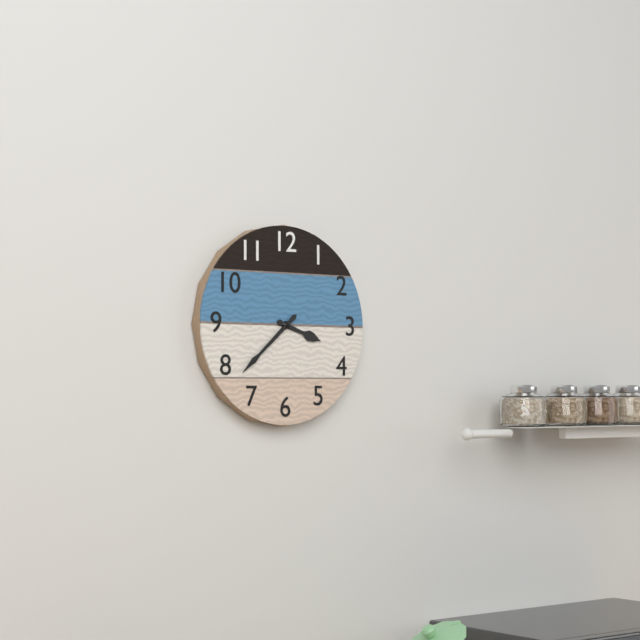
3:38
